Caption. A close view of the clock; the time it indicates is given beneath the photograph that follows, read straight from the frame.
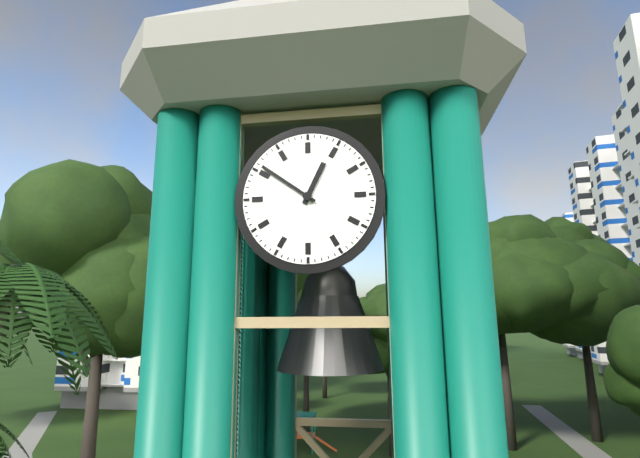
12:51
